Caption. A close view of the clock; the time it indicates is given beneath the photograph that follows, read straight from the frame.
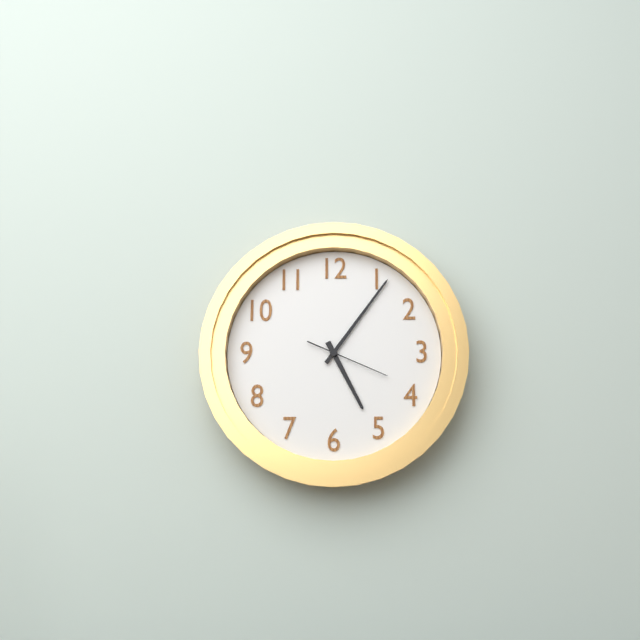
5:06:19
